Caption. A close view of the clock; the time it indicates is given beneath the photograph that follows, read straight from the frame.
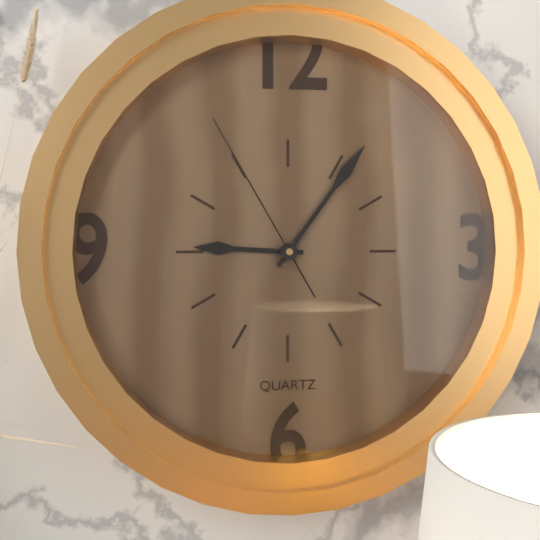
9:06:55
